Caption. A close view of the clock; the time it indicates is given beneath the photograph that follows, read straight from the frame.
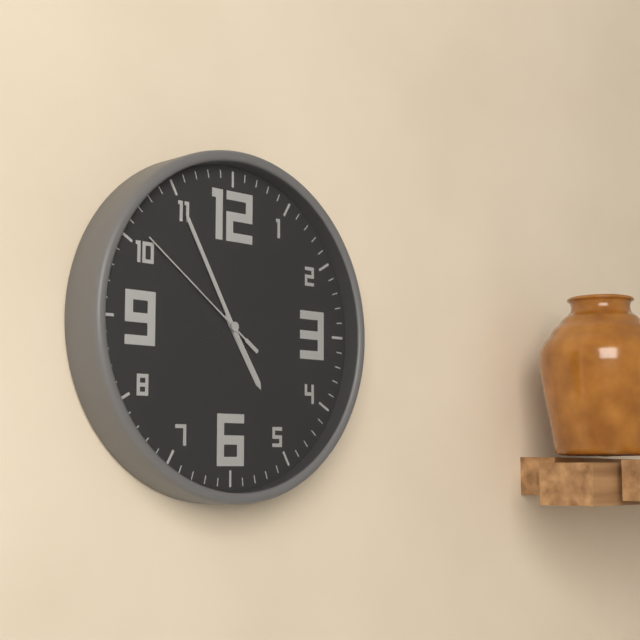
4:55:51
